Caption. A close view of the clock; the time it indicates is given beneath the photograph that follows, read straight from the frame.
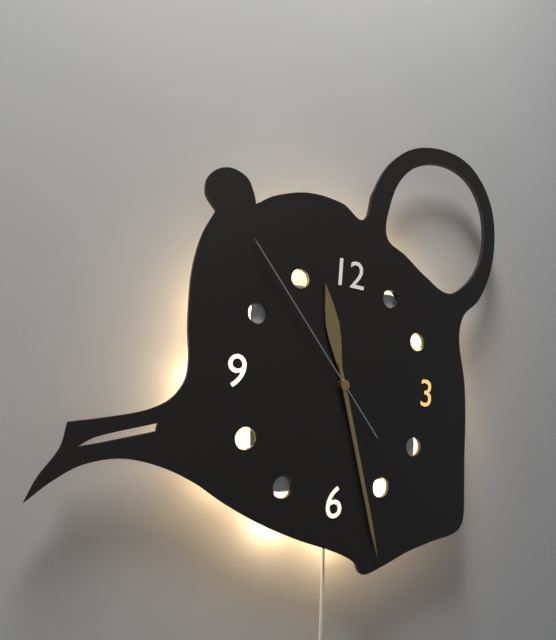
11:27:53
